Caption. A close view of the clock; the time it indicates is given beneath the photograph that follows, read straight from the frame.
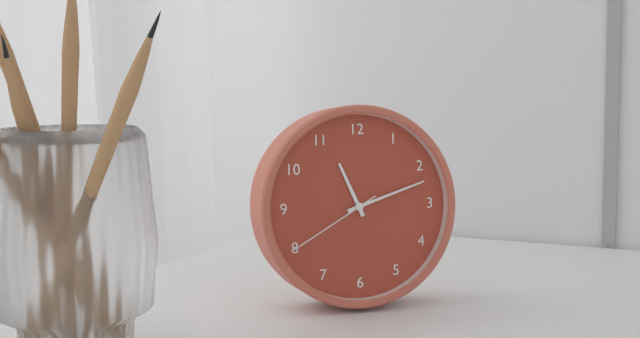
11:12:40
